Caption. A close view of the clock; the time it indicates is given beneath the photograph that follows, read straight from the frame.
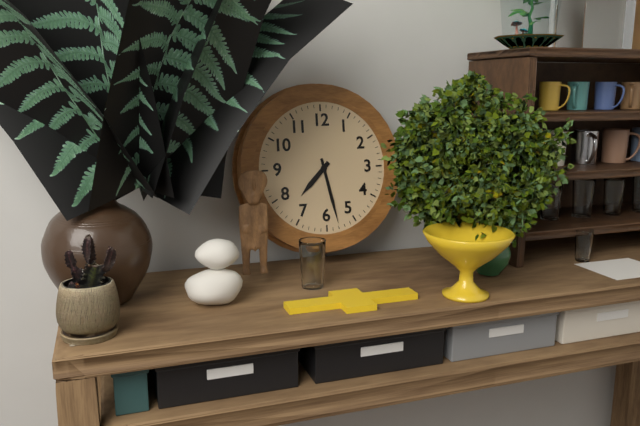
7:28
